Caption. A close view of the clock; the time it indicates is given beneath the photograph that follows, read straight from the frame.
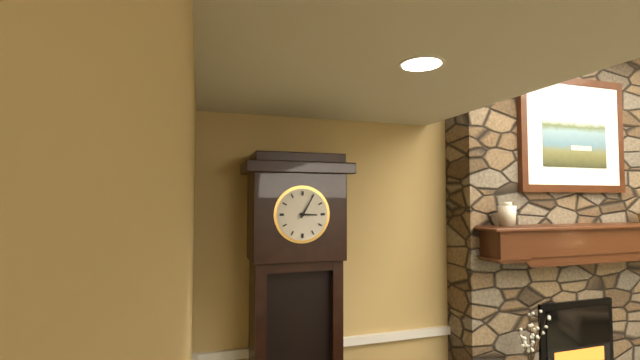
3:05
